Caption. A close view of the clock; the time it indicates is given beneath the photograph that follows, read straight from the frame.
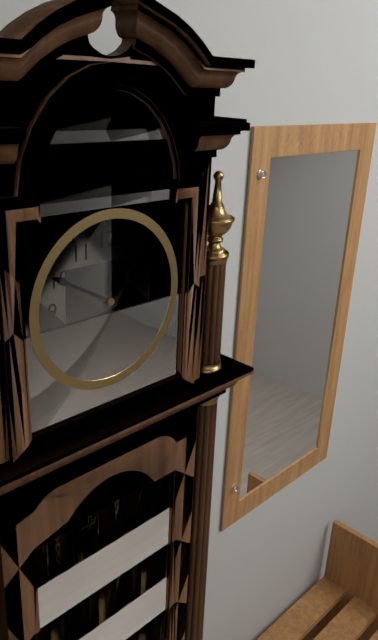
1:50
